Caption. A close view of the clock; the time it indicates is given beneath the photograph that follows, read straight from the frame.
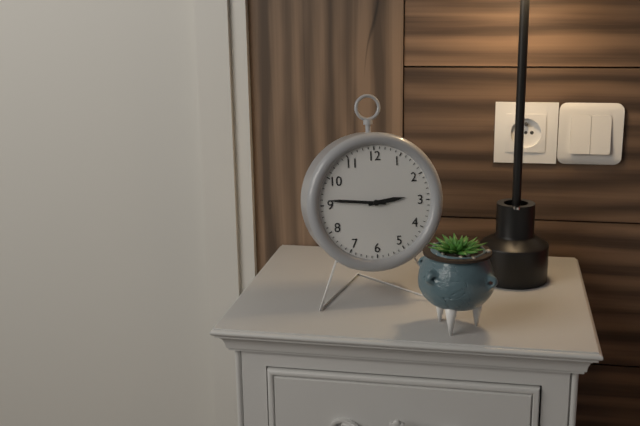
2:46
